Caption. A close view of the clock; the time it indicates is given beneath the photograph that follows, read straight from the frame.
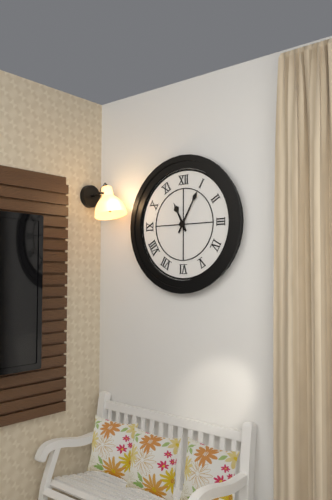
11:05
